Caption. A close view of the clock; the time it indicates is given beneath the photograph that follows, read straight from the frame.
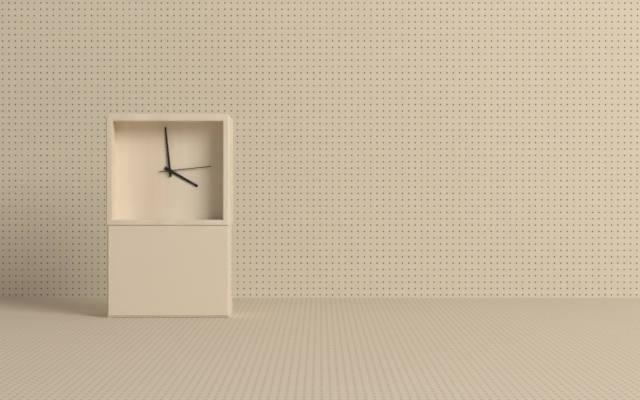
3:59:14
